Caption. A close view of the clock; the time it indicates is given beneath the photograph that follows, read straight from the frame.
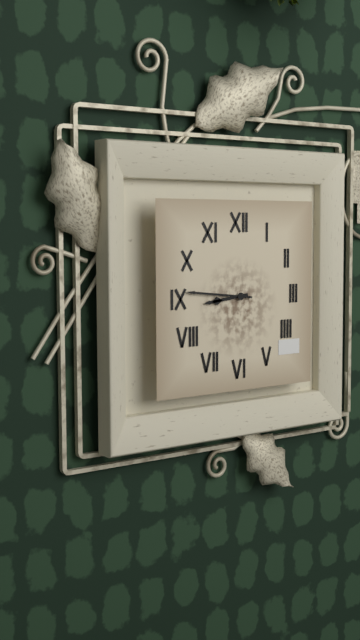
8:46
